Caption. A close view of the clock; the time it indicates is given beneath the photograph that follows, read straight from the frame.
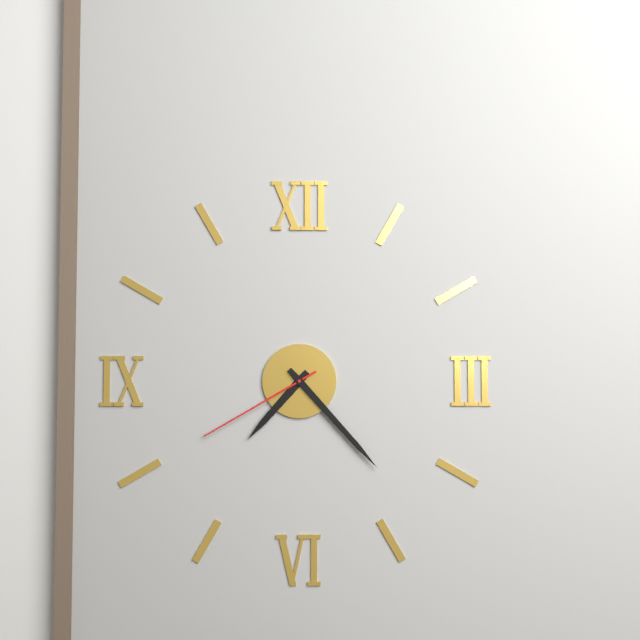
7:23:40
